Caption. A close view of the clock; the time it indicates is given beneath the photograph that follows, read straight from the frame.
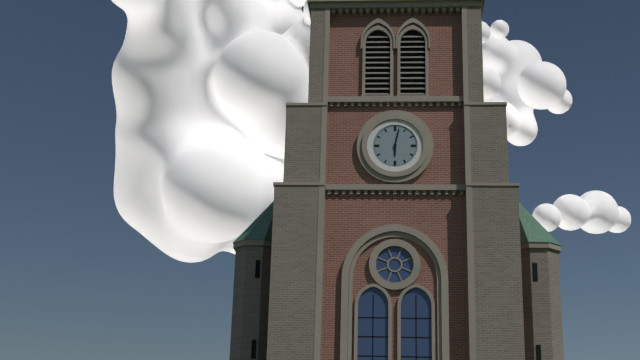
6:02
